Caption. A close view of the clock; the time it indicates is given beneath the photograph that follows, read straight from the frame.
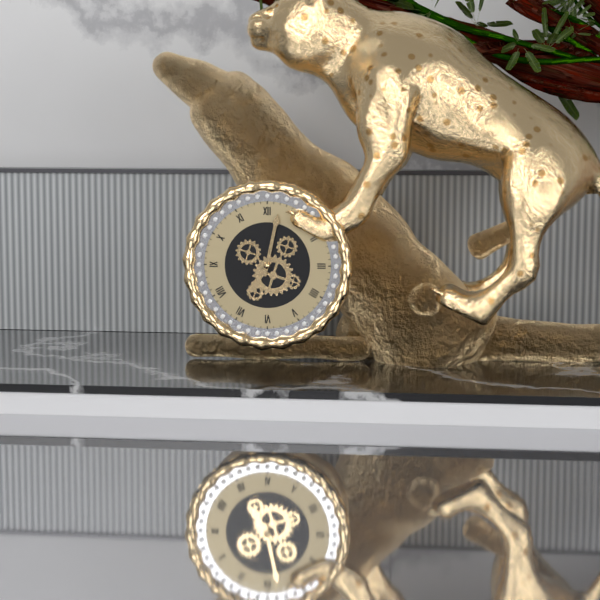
7:02
